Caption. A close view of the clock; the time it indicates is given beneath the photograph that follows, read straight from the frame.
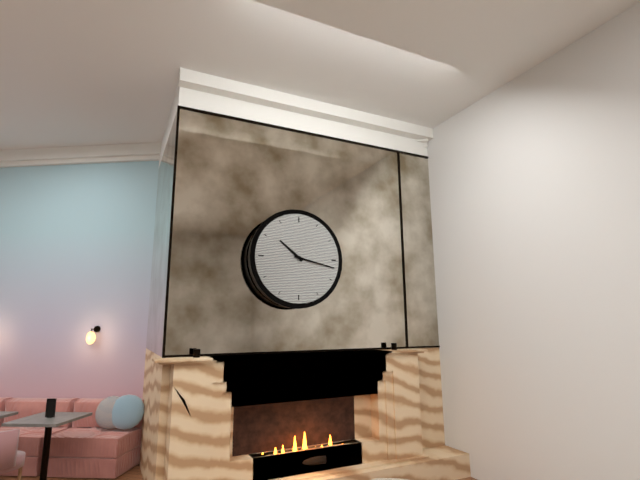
10:17
